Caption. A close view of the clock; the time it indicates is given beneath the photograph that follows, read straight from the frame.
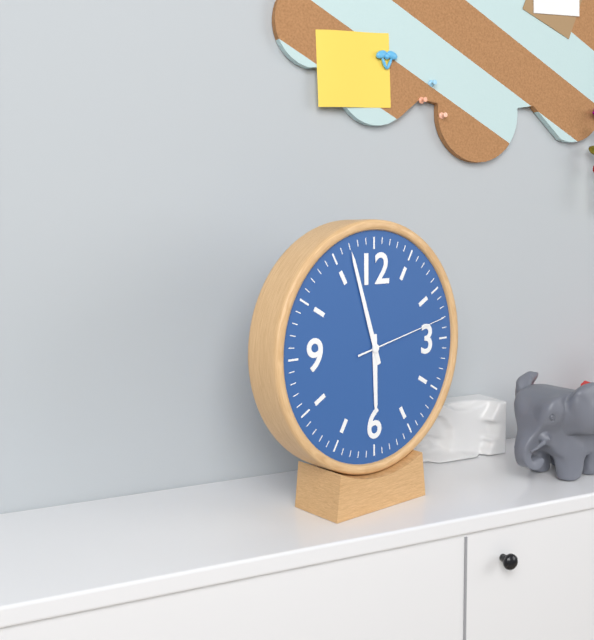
5:57:13
